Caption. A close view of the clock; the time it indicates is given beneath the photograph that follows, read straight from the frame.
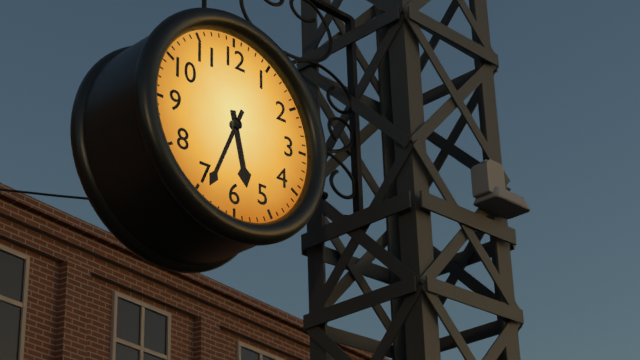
5:34
